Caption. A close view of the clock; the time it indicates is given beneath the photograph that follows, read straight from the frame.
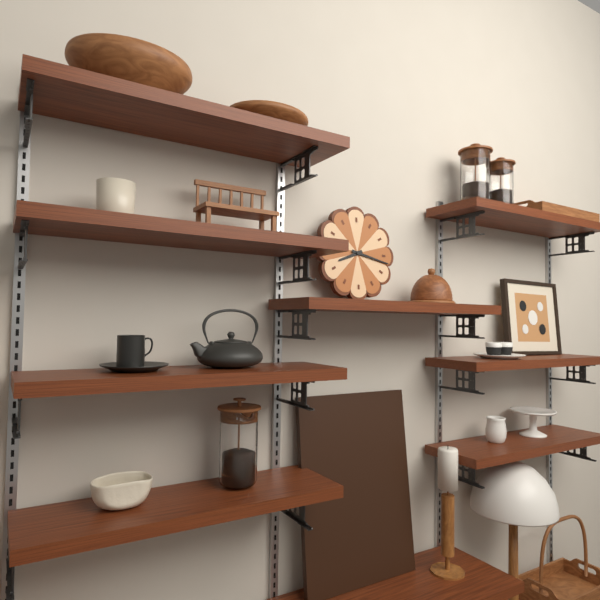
8:17
